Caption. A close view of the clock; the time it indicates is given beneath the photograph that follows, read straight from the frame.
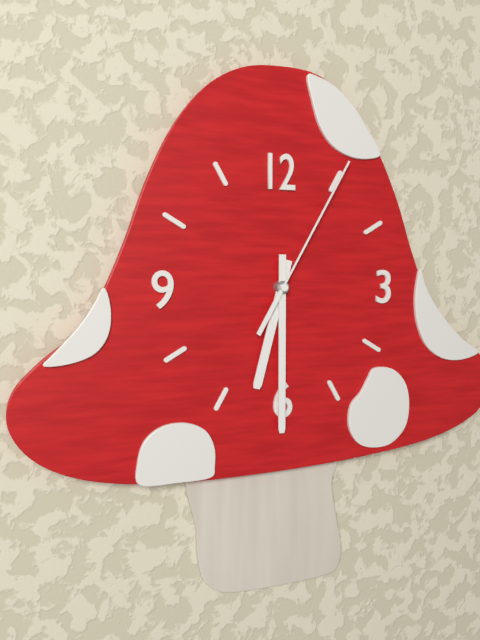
6:30:05
